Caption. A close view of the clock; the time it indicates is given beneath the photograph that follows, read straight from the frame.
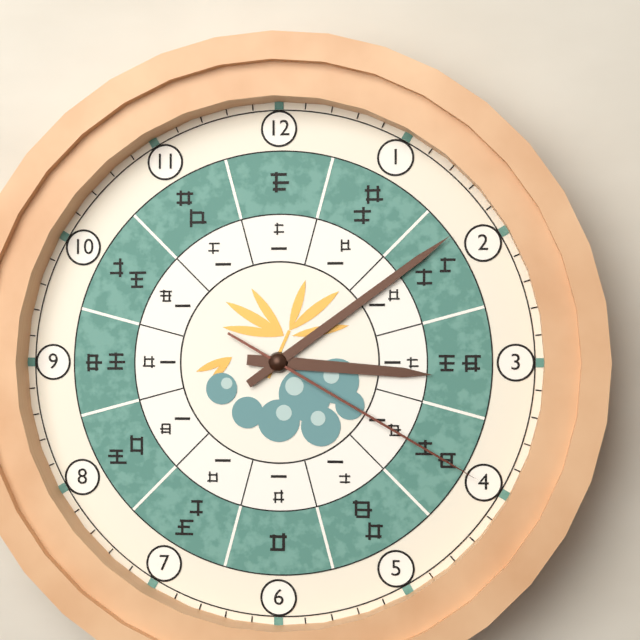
3:09:20
